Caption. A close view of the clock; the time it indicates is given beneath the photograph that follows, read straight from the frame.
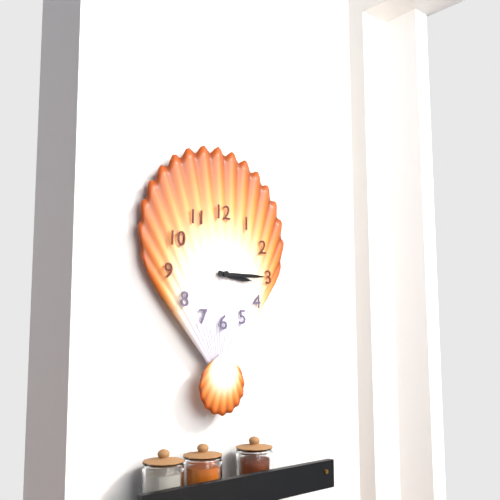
3:15
